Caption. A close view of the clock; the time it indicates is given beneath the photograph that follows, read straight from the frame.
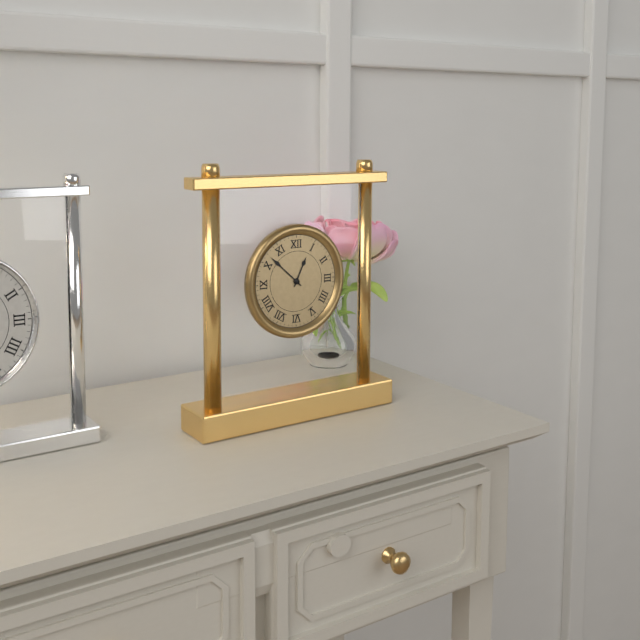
12:52
